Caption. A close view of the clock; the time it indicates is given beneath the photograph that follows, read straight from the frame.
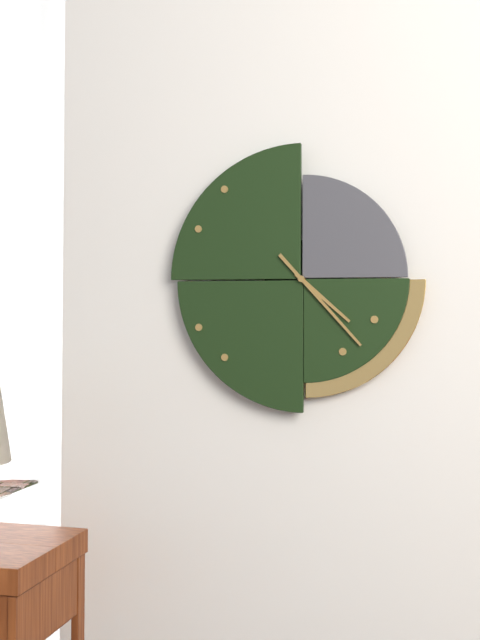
4:23
